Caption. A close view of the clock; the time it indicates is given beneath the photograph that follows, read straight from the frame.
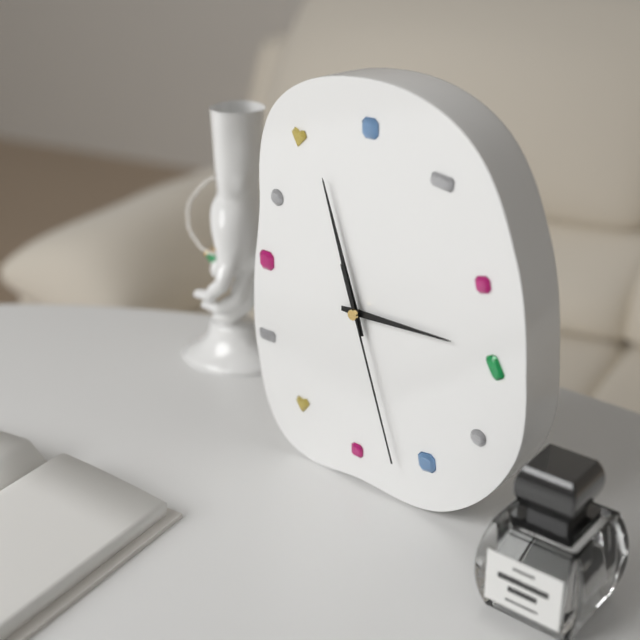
2:57:27
